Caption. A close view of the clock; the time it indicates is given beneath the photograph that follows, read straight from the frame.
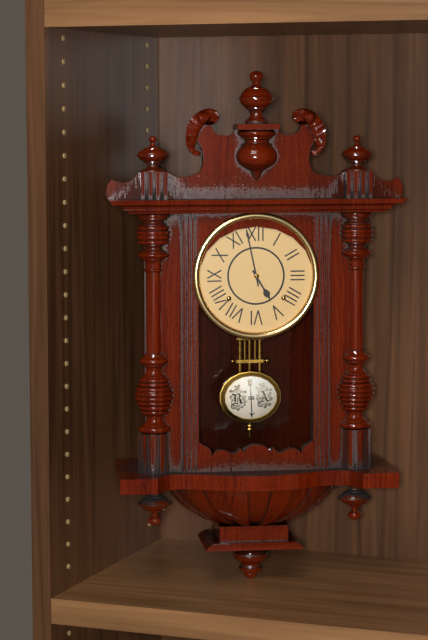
4:58
